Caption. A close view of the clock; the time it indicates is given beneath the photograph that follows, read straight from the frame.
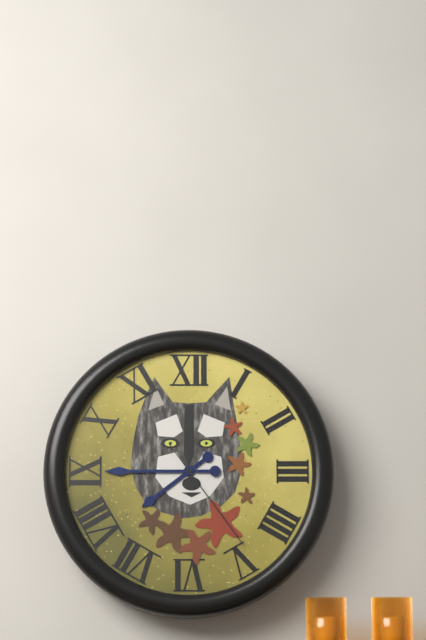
7:45:24
